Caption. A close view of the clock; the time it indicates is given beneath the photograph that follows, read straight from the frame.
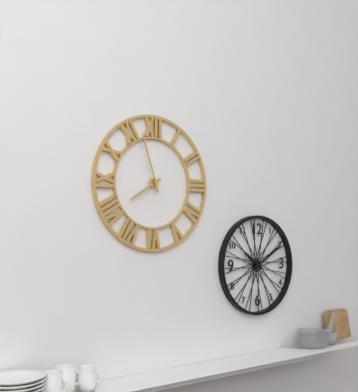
7:57
